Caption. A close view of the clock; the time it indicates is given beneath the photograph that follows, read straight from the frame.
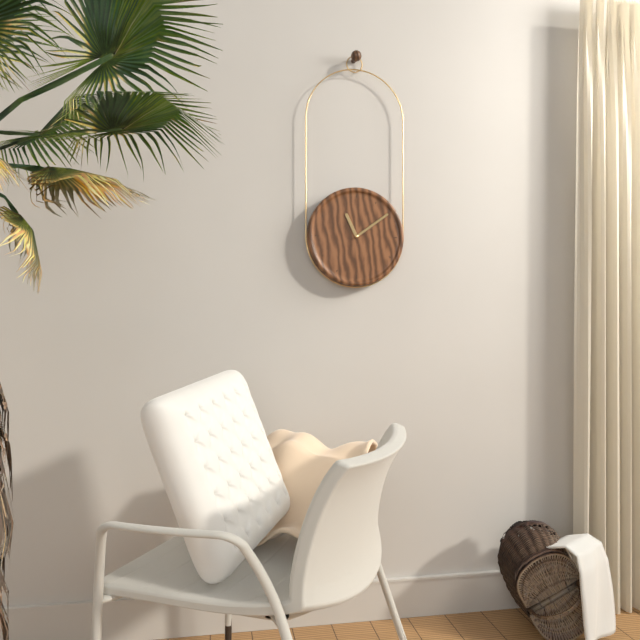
11:09
